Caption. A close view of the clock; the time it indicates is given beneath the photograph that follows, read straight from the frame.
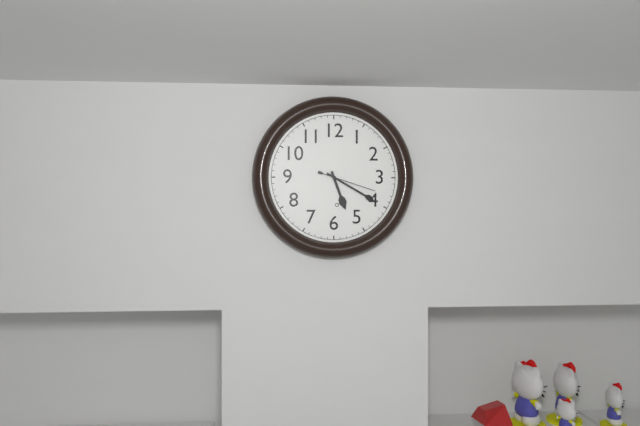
5:20:18
